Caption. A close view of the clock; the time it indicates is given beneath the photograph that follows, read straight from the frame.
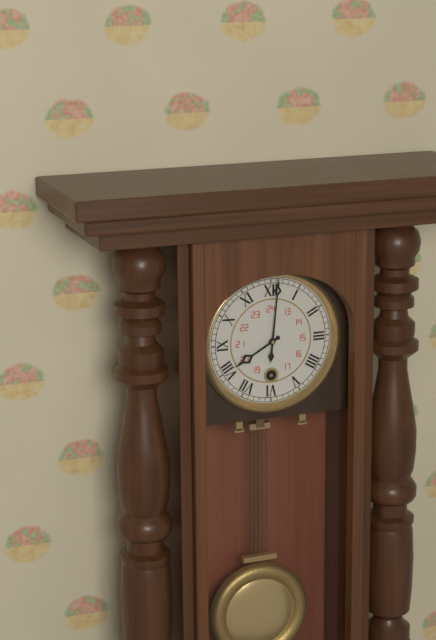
8:01
